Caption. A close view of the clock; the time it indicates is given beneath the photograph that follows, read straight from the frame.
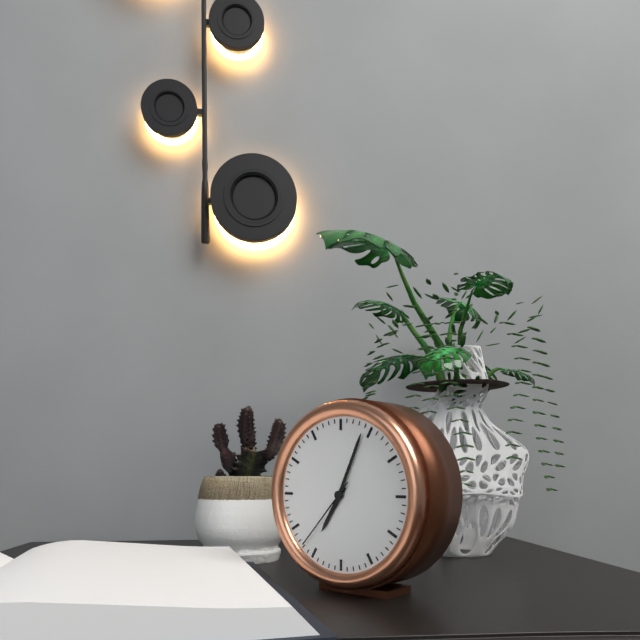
7:04:37
